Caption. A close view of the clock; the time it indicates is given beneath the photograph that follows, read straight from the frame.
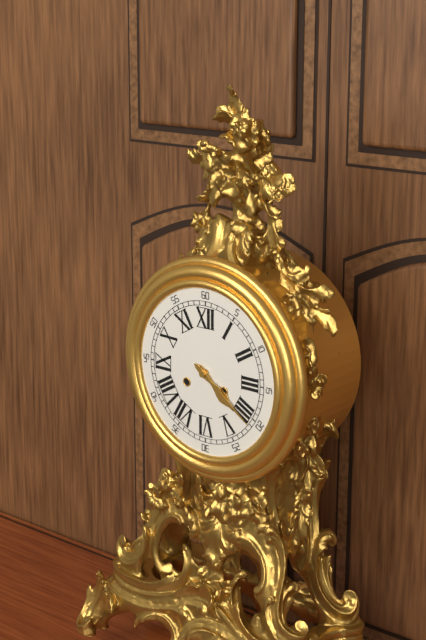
4:21
